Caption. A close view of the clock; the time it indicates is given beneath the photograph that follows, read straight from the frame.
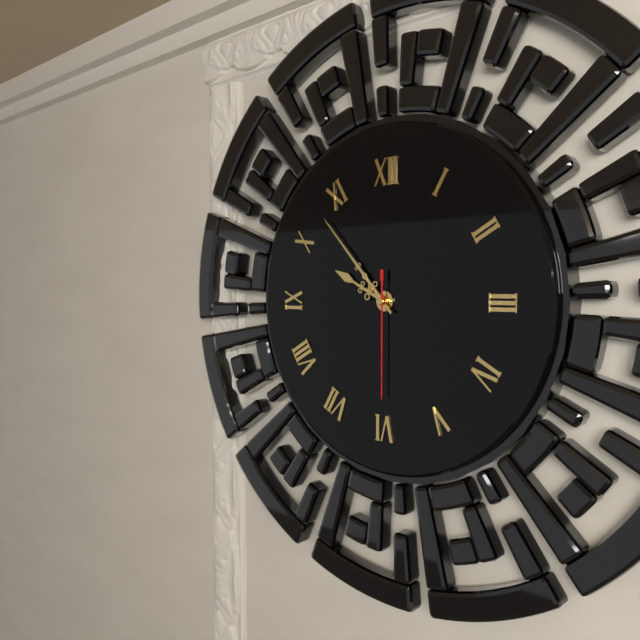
9:53:30
